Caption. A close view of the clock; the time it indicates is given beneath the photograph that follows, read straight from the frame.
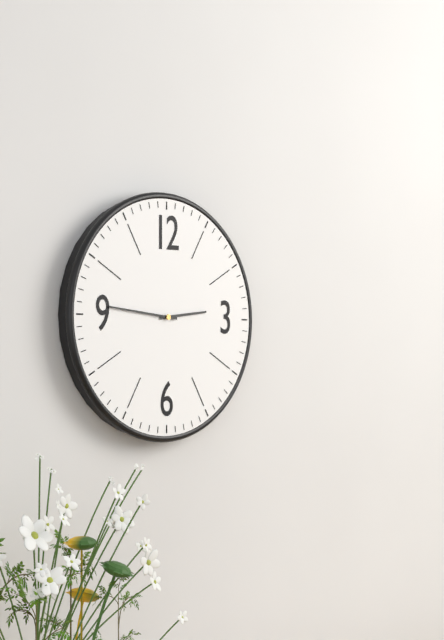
2:46
